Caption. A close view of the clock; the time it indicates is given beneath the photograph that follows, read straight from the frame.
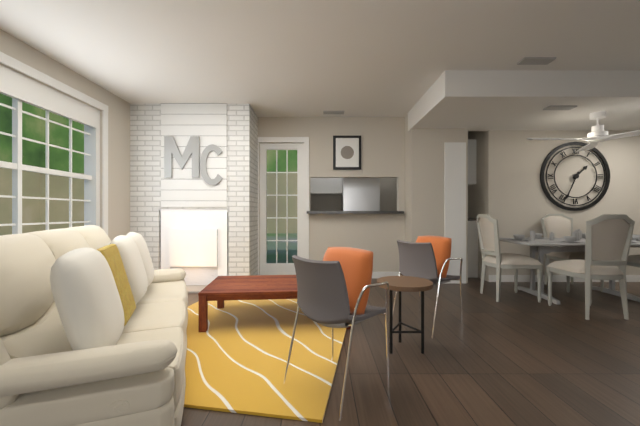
1:34
